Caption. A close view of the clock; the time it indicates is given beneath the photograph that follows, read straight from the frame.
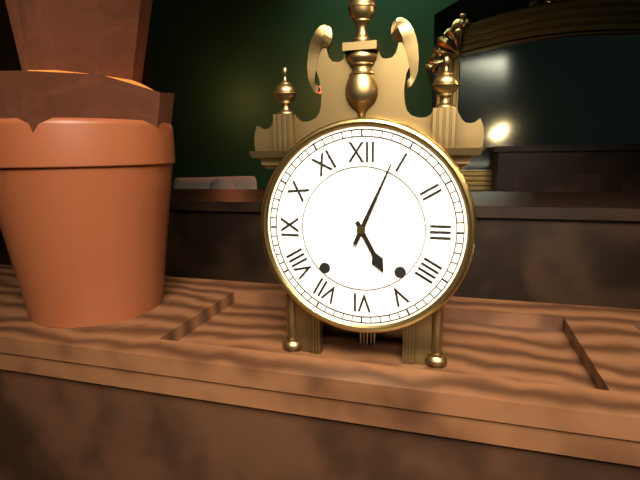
5:04
